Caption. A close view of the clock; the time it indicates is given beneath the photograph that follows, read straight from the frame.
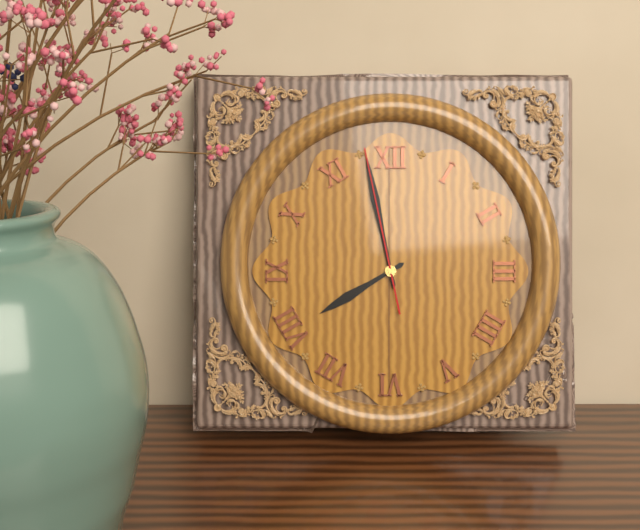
7:58:58
